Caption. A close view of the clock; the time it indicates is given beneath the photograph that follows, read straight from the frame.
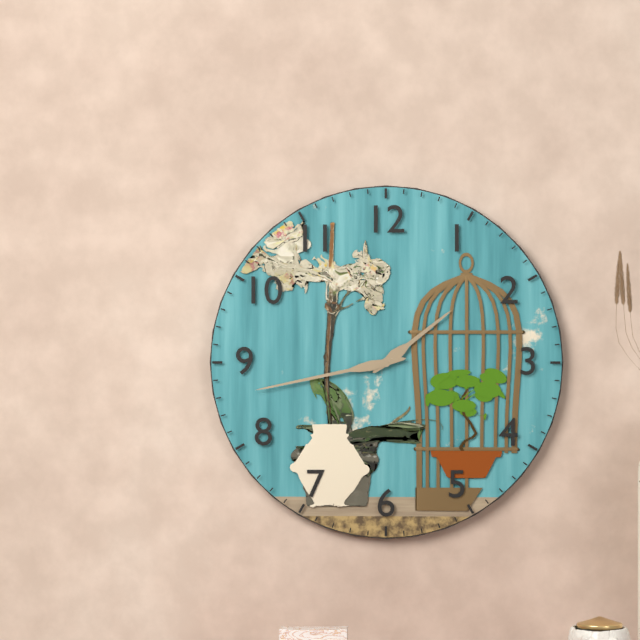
1:43
